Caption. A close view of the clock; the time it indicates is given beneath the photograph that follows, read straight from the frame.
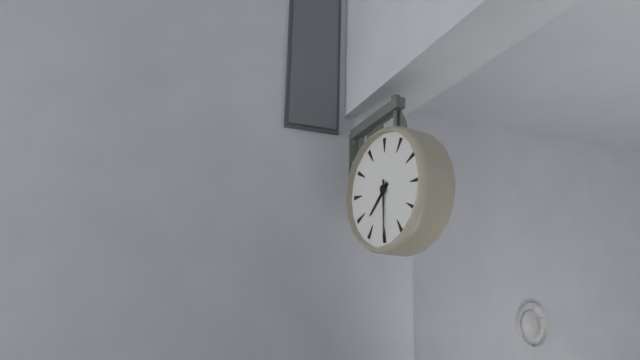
7:30
